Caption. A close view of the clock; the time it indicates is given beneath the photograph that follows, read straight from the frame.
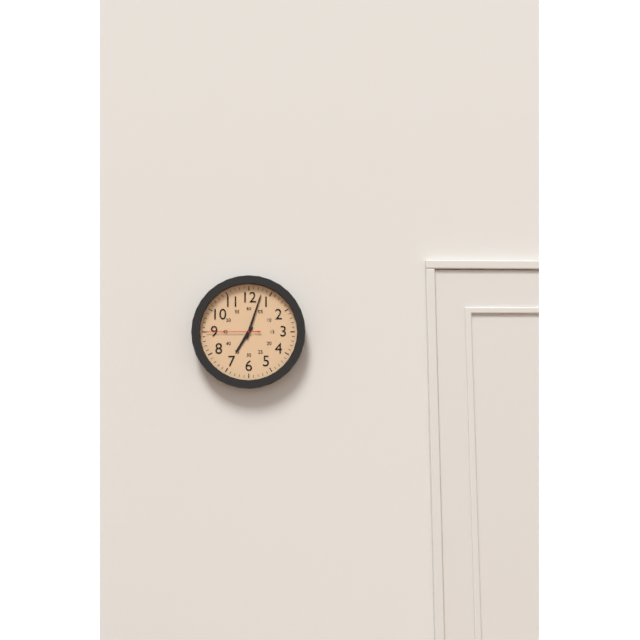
7:03:45
